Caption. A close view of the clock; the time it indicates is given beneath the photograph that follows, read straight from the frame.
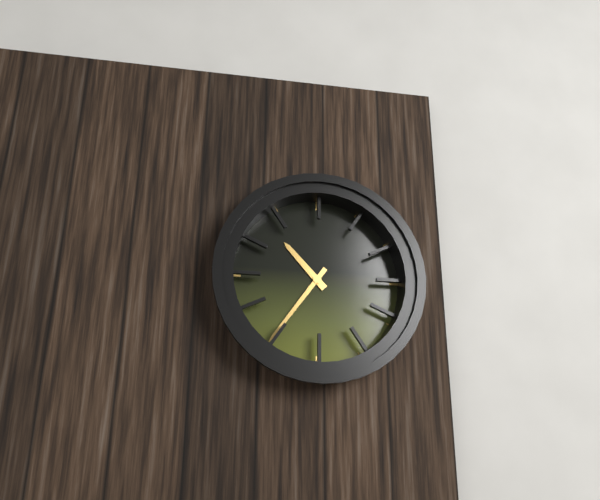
10:36
